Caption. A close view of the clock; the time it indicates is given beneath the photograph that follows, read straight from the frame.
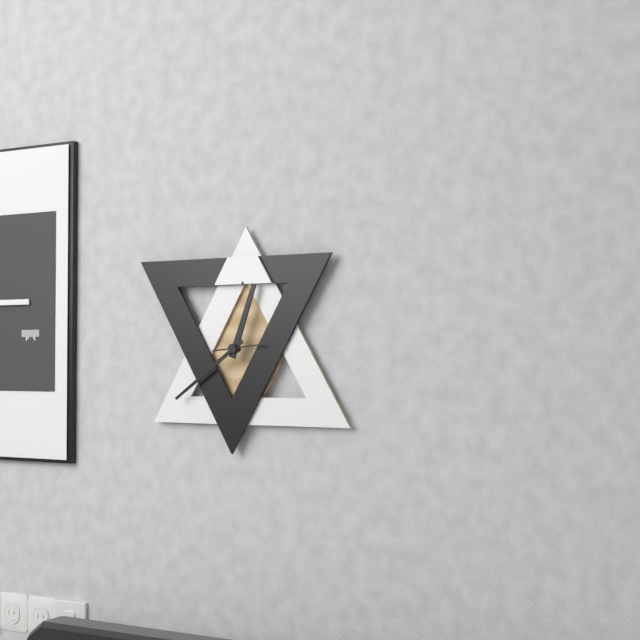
12:39
